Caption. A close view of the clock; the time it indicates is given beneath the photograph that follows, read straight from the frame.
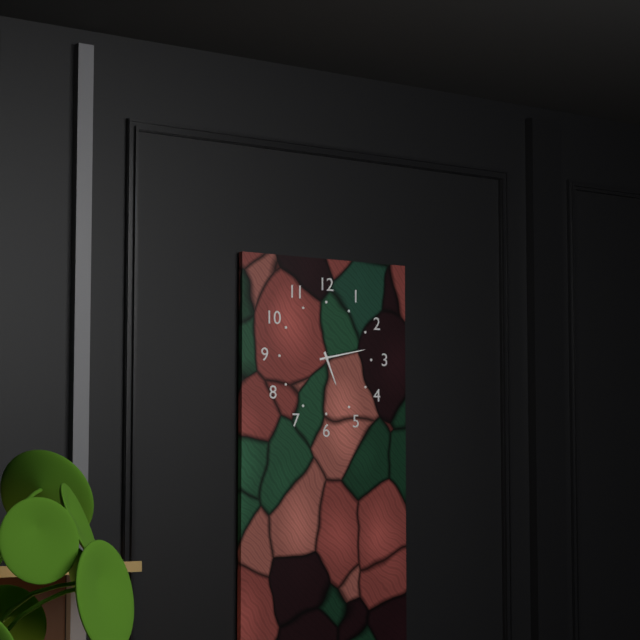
5:13
